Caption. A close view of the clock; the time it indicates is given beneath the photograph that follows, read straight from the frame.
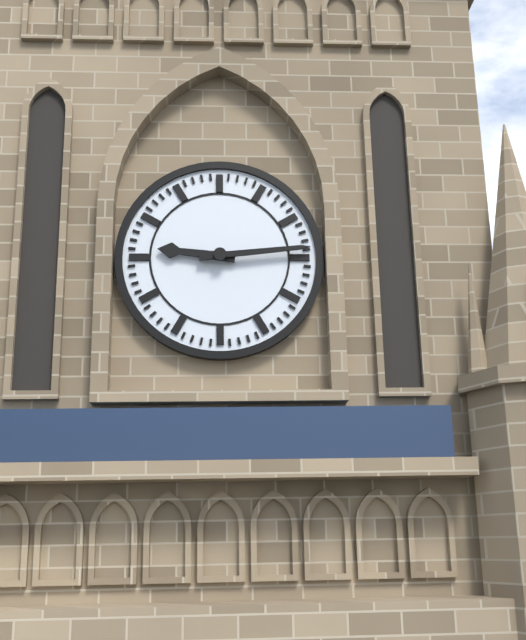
9:14
